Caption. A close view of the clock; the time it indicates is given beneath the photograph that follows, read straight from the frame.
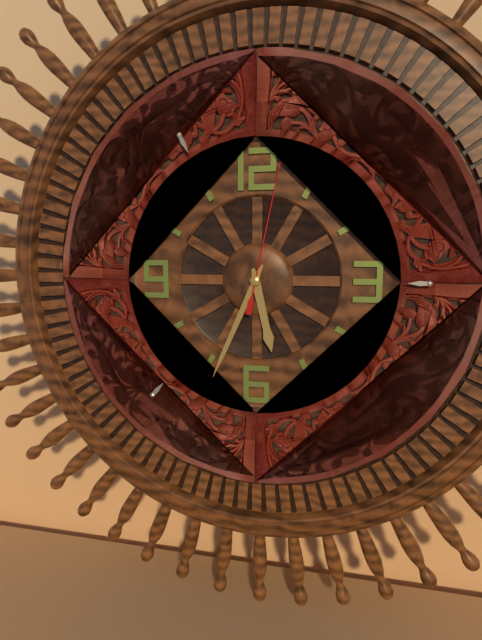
5:34:02
